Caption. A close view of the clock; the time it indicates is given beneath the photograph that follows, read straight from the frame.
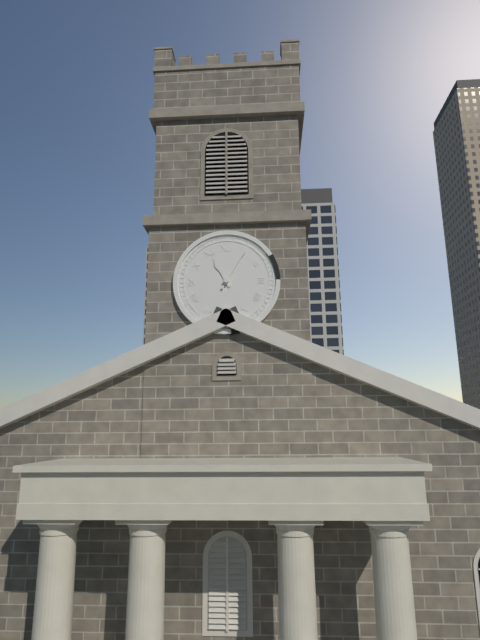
11:05
